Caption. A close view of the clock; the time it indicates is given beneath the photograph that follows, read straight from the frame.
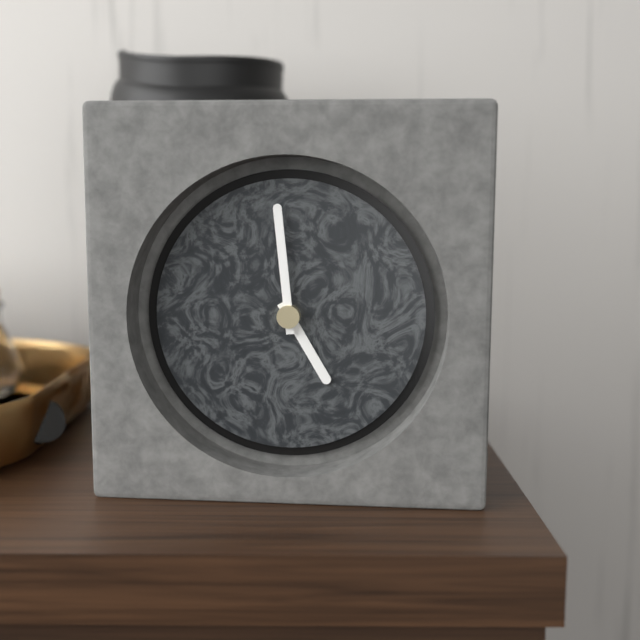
4:59
